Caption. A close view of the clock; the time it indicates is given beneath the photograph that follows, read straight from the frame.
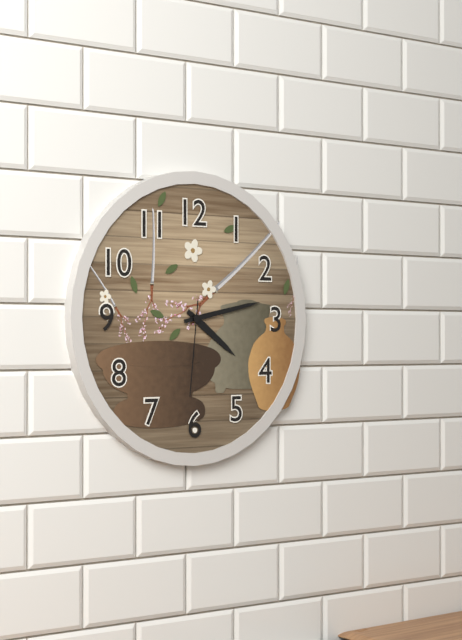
4:13:31
